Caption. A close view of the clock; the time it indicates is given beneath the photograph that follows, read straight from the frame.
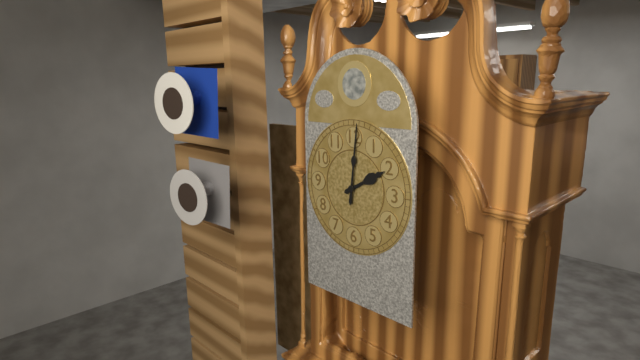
2:01
